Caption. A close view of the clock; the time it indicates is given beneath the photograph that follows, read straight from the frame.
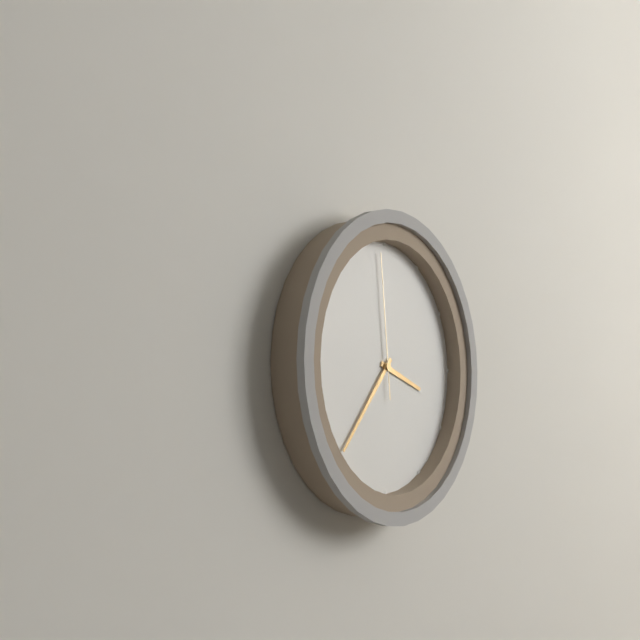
3:37:59
